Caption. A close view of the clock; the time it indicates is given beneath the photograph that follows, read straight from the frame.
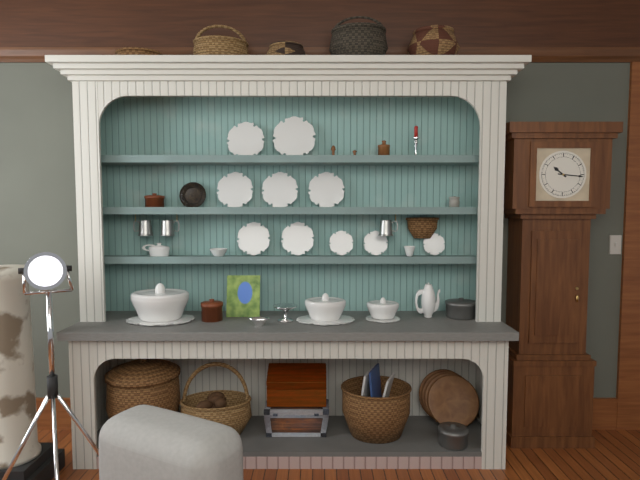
10:16
